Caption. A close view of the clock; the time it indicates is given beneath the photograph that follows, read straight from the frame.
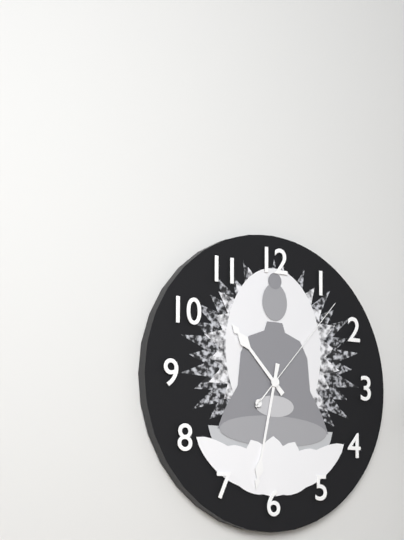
10:32:07
